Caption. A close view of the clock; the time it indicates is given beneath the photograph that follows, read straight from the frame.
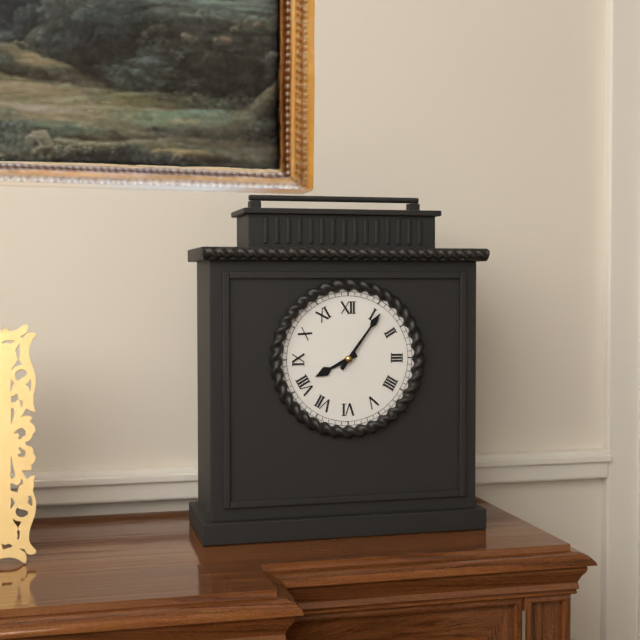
8:06
